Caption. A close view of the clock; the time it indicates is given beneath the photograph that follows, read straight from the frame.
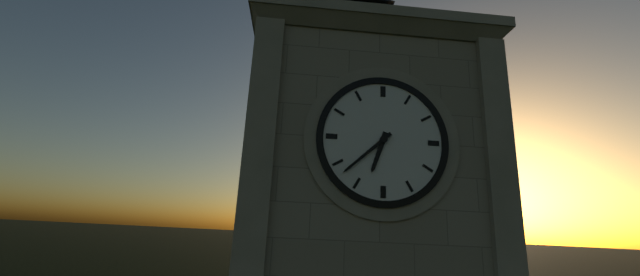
6:38
